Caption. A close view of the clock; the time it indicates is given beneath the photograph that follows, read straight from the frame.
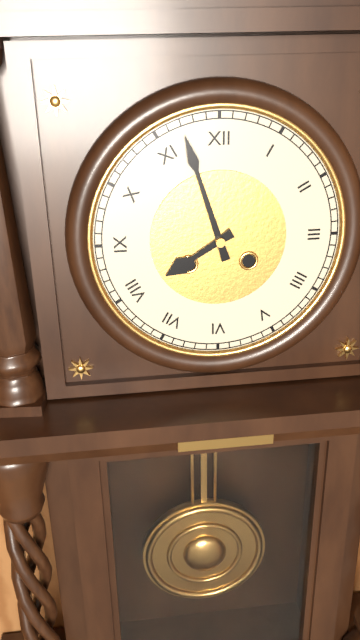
7:57
